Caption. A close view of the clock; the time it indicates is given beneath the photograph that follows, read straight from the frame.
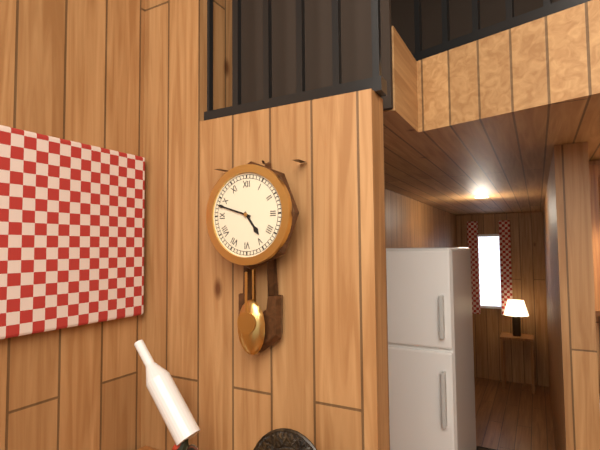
4:48
